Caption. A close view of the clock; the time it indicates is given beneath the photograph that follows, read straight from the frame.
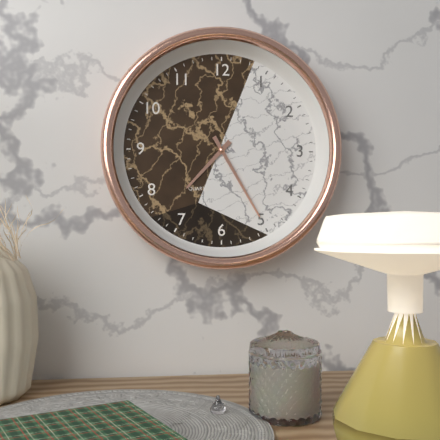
7:25
